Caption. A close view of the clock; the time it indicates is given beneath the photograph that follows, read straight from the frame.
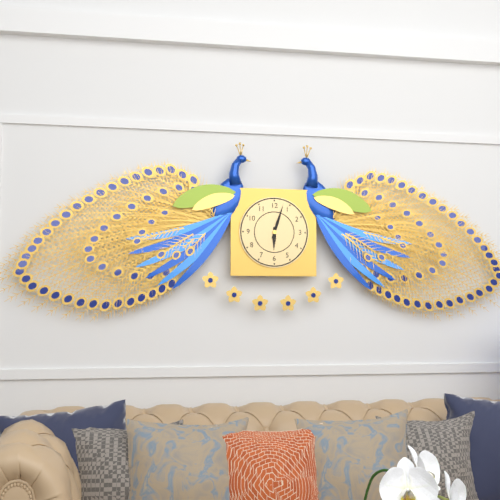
6:03
